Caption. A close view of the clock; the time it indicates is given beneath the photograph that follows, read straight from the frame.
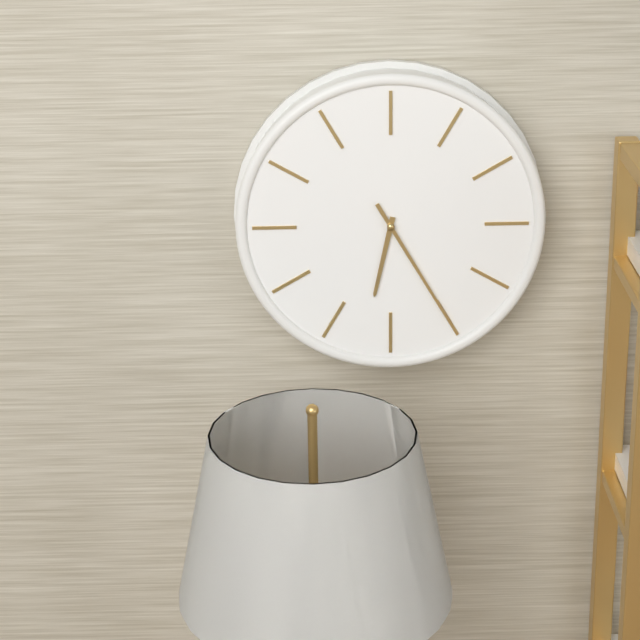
6:25
